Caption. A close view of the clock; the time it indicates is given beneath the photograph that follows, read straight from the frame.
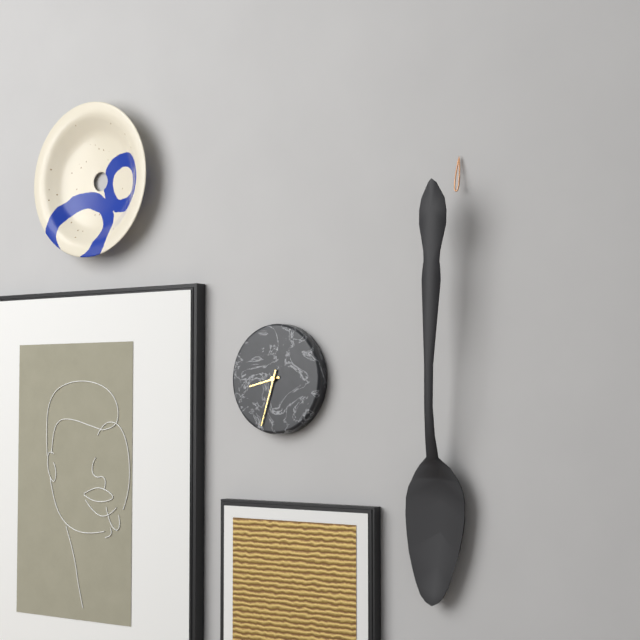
8:33
